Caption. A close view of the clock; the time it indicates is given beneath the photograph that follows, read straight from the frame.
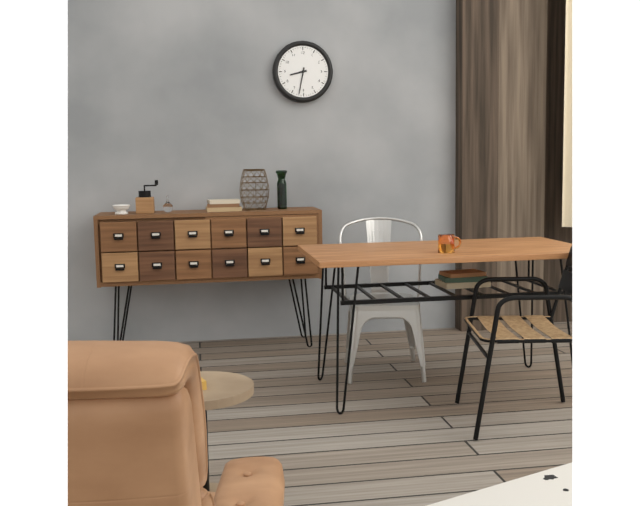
8:32
